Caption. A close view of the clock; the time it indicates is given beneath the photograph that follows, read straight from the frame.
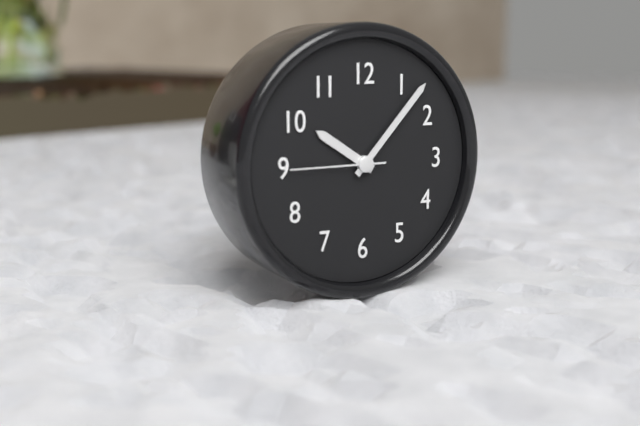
10:07:45
